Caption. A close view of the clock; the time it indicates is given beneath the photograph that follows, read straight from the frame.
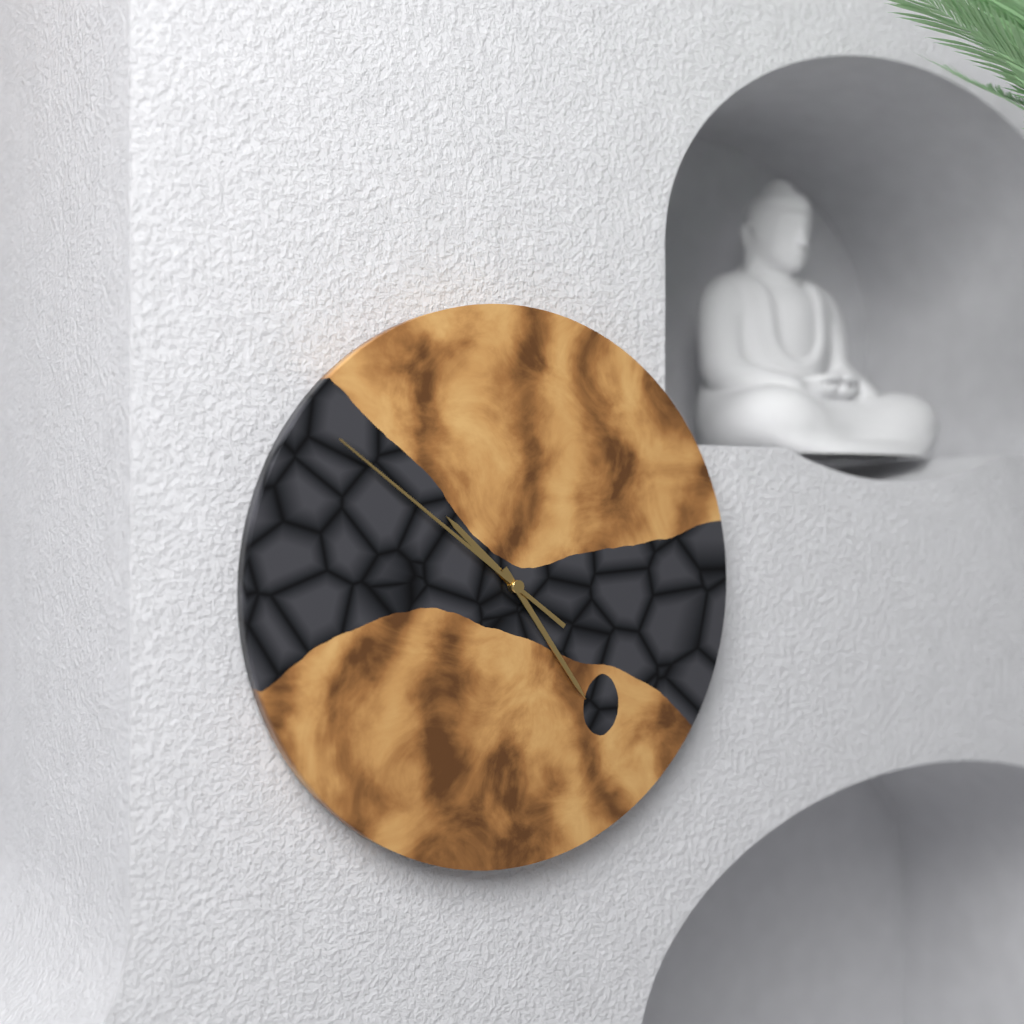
10:24:51
